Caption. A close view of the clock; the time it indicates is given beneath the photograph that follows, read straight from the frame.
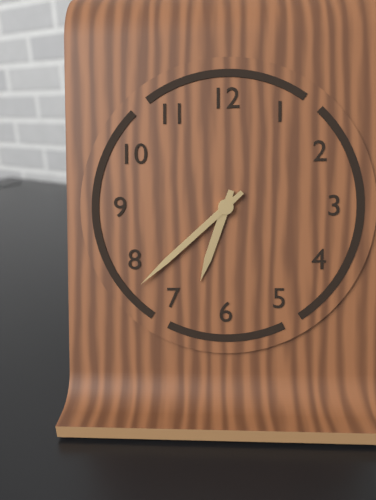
6:38
